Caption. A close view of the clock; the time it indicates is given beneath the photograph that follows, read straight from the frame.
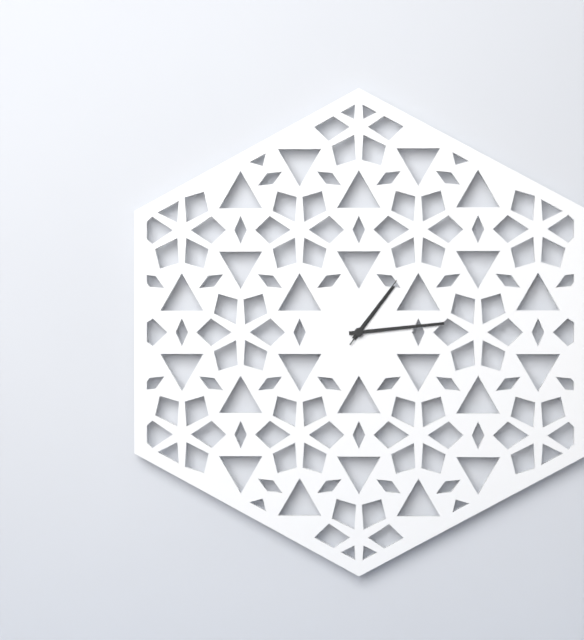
1:14:06
